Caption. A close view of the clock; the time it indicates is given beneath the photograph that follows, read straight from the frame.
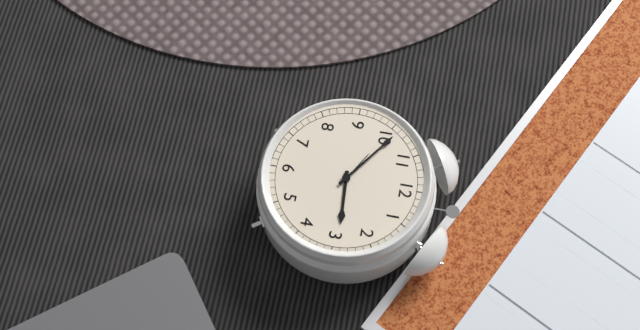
2:51
